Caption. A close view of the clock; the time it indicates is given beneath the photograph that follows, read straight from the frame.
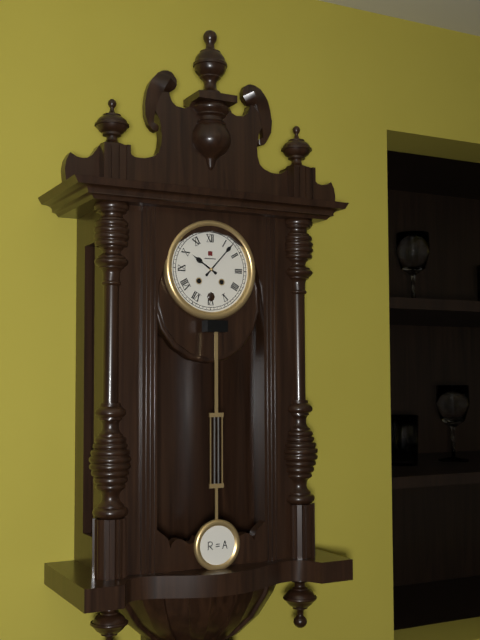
10:07
